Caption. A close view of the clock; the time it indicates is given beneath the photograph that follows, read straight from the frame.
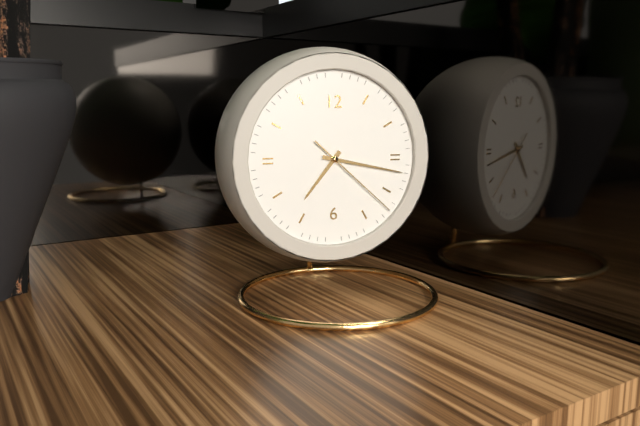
7:17:22
